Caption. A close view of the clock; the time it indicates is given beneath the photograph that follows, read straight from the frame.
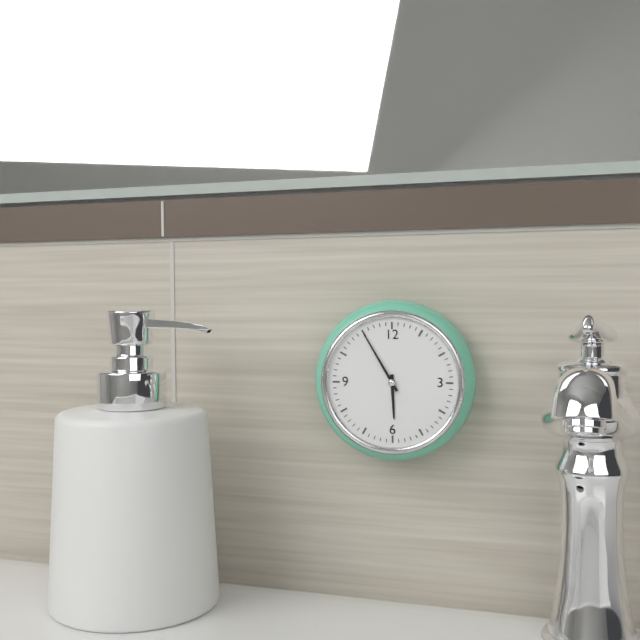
5:55
